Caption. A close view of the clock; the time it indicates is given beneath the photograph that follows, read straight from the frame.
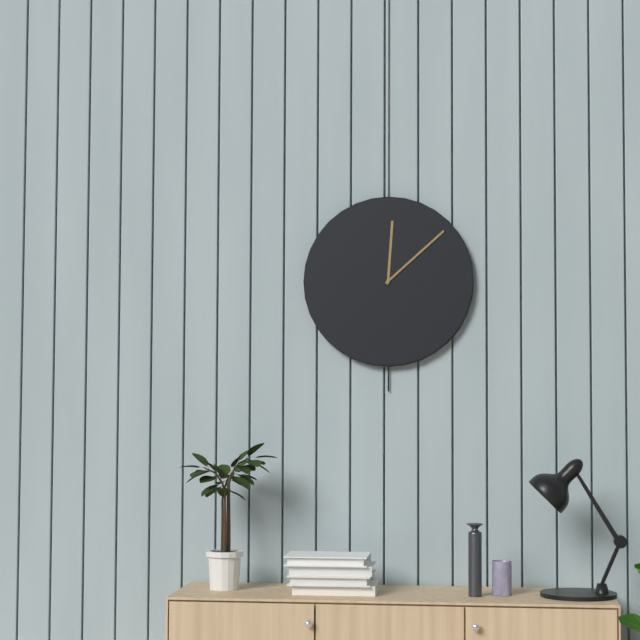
12:08
